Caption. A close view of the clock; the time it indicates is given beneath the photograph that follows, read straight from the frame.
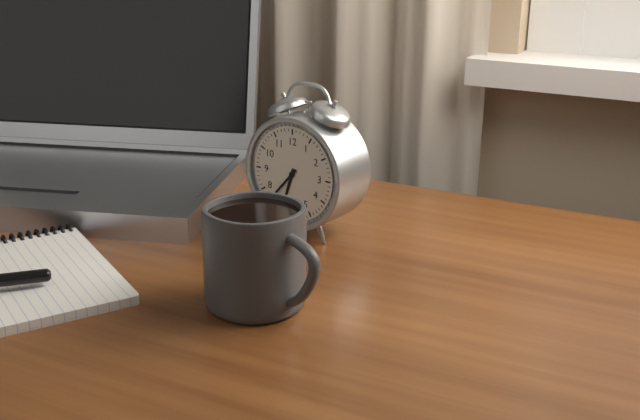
6:37
